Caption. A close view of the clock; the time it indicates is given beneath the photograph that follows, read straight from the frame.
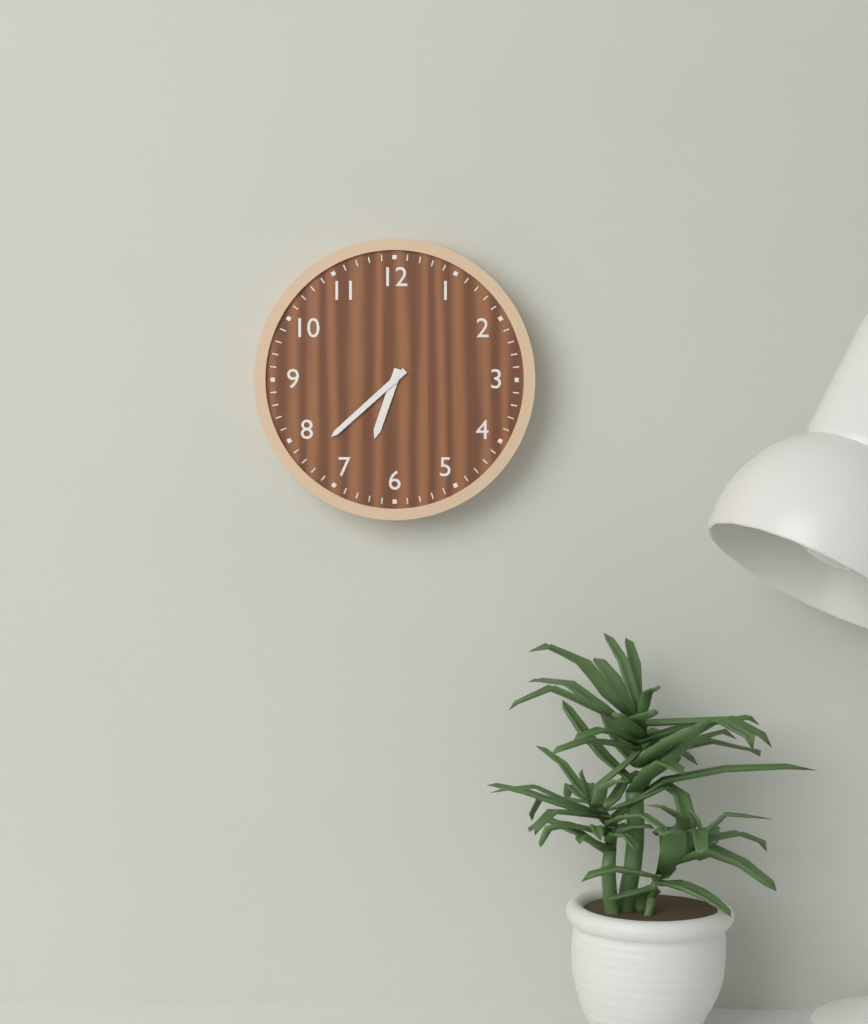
6:38
